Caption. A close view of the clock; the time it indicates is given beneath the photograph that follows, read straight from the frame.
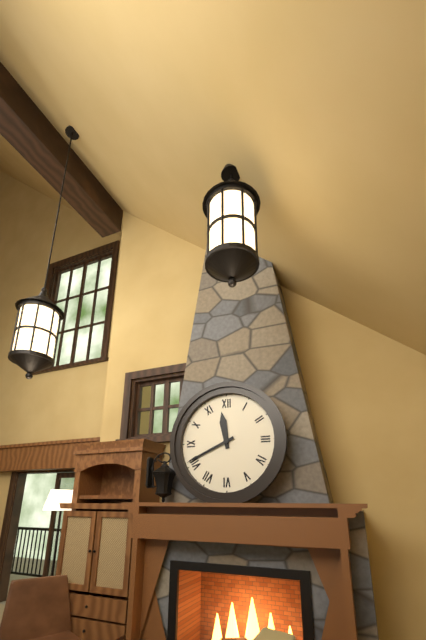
11:41
